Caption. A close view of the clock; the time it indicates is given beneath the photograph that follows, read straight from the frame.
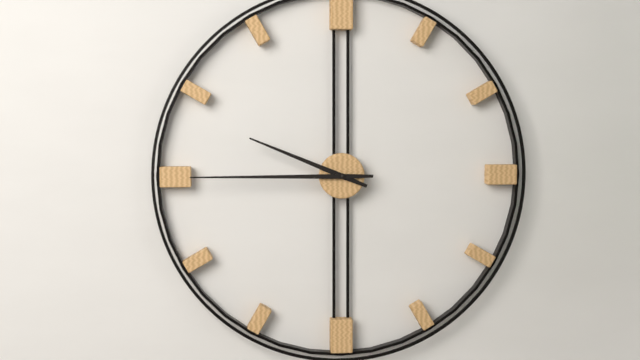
9:45
